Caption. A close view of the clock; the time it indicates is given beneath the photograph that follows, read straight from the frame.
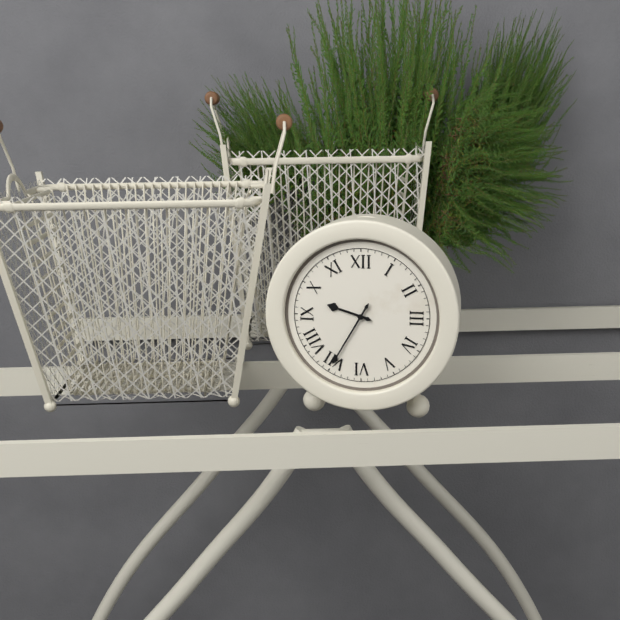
9:35
